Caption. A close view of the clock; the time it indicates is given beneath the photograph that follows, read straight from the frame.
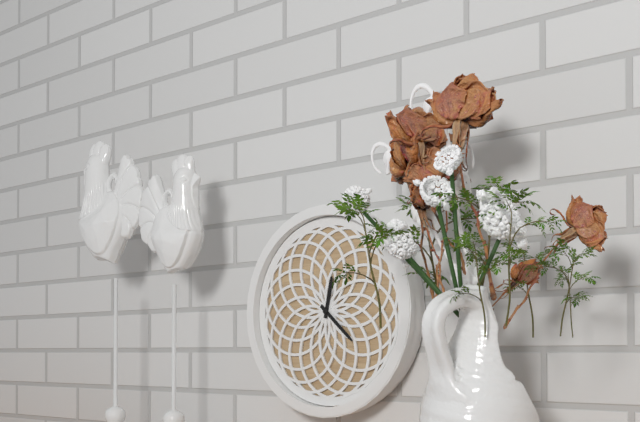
12:22
